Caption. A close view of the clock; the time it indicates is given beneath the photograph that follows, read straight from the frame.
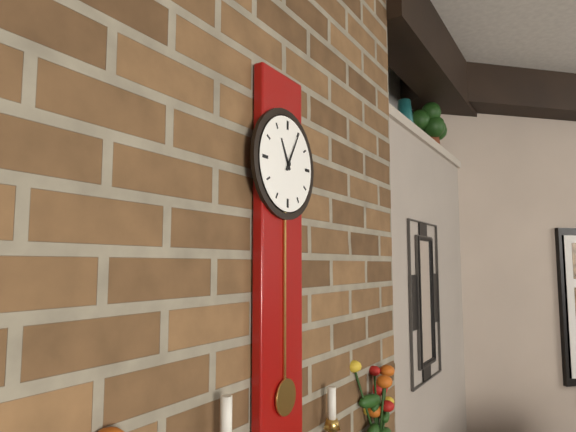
11:05
